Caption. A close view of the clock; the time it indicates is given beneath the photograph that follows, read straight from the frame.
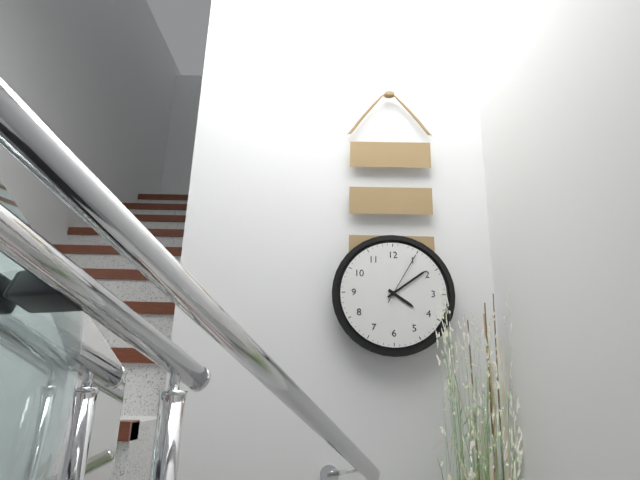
4:09:05
